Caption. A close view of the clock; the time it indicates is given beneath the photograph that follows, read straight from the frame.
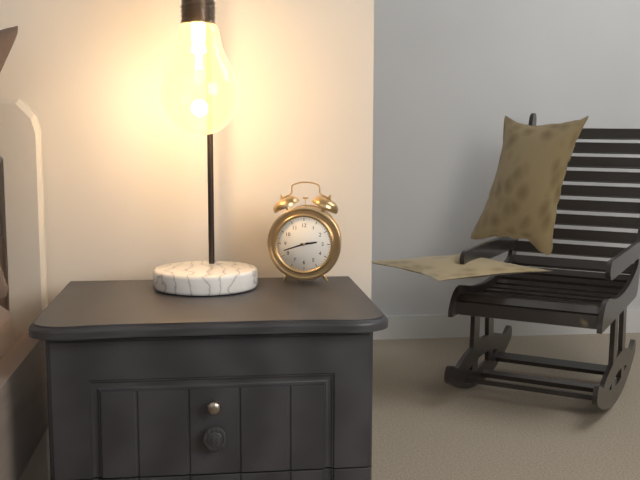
2:42
